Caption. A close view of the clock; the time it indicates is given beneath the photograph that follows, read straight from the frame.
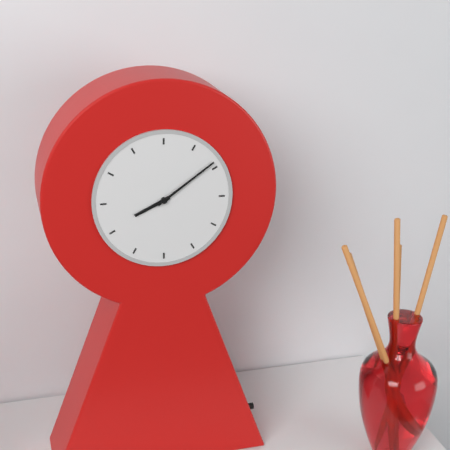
8:09
